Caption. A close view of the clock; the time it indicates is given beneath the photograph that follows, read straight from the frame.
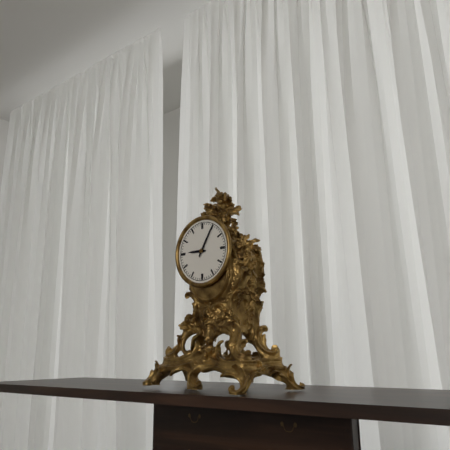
9:05
